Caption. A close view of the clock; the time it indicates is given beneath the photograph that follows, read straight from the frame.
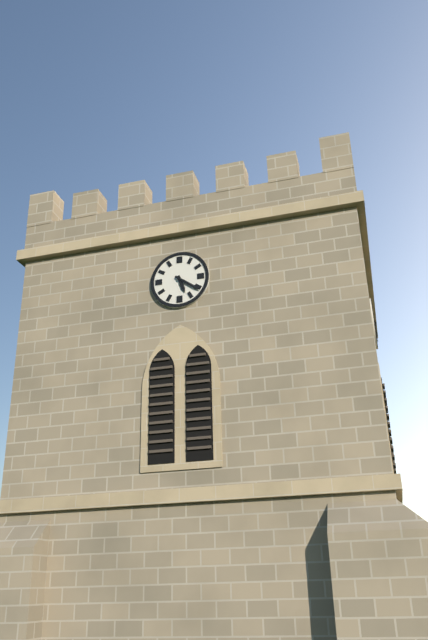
5:21
